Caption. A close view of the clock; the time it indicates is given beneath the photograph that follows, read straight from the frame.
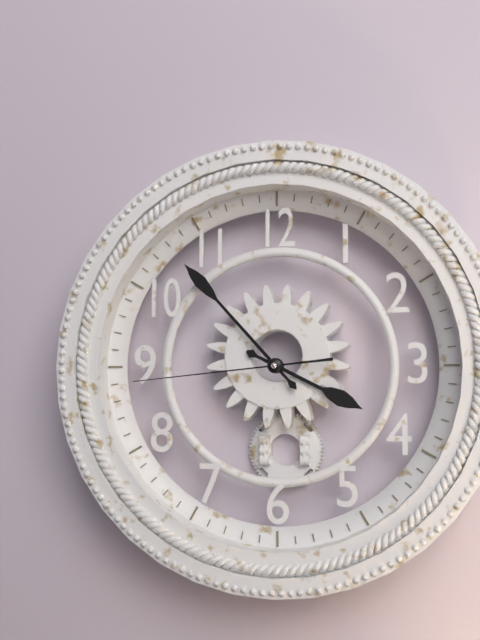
3:53:44
